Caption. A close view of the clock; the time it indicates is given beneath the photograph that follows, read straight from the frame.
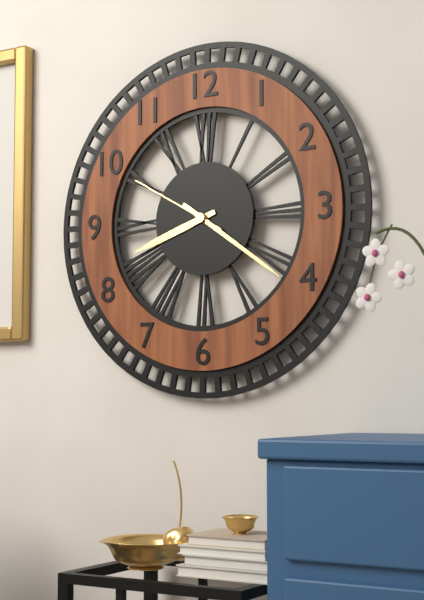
8:21:50
